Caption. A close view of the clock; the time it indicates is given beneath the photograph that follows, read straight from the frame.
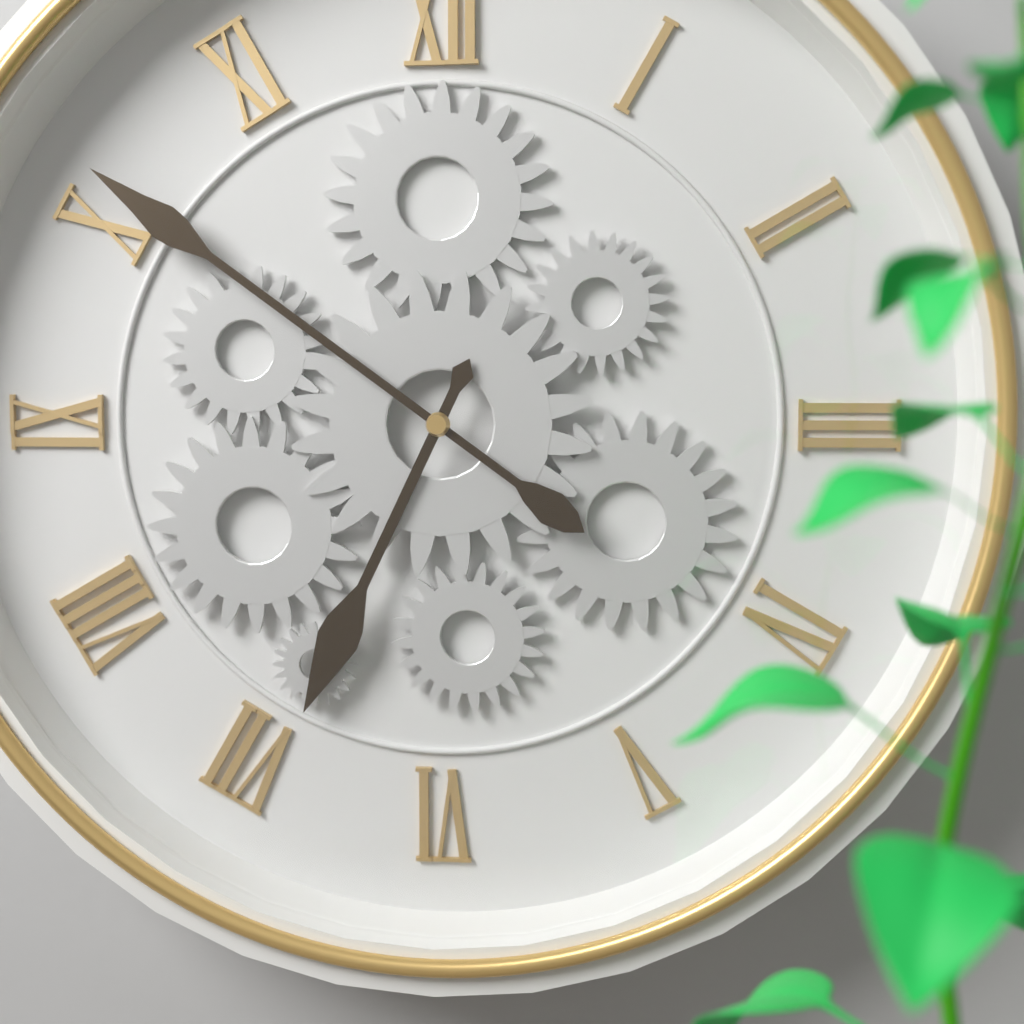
6:51
